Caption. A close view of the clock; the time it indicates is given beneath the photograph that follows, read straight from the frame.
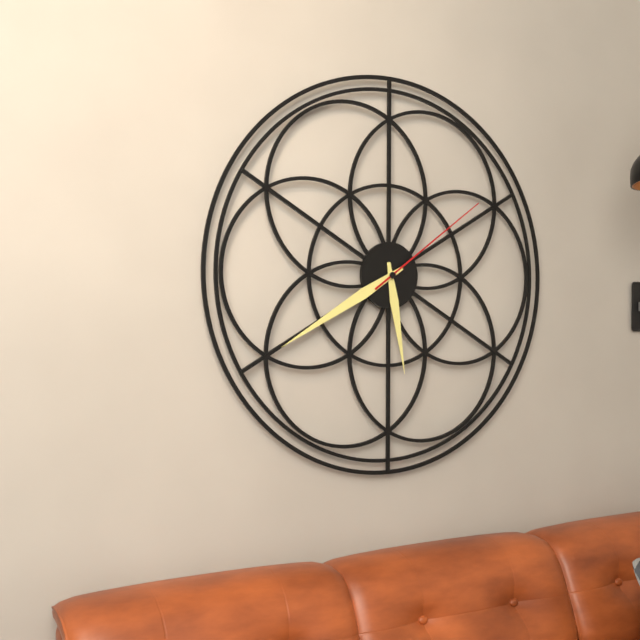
5:40:09
